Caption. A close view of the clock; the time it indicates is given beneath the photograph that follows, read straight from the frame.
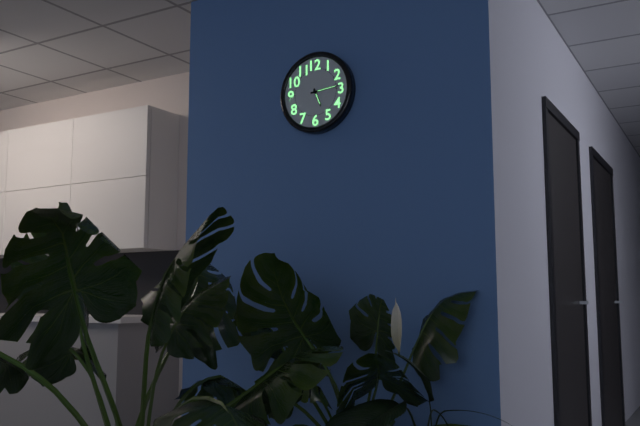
5:14
